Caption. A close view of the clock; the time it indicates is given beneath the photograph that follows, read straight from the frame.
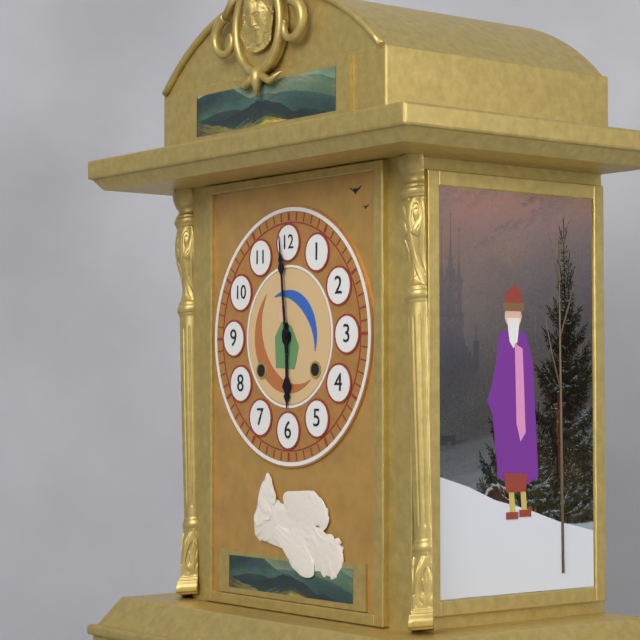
5:59
